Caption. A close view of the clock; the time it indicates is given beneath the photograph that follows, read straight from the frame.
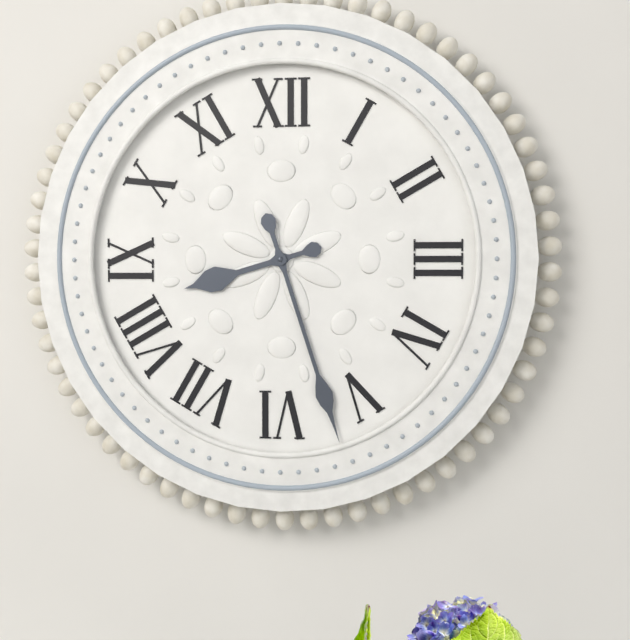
8:27
